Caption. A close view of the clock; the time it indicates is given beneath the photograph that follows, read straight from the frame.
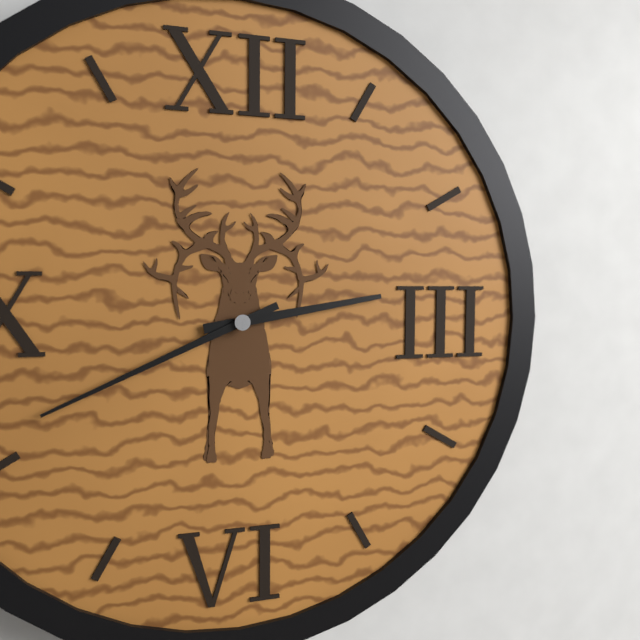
2:41
